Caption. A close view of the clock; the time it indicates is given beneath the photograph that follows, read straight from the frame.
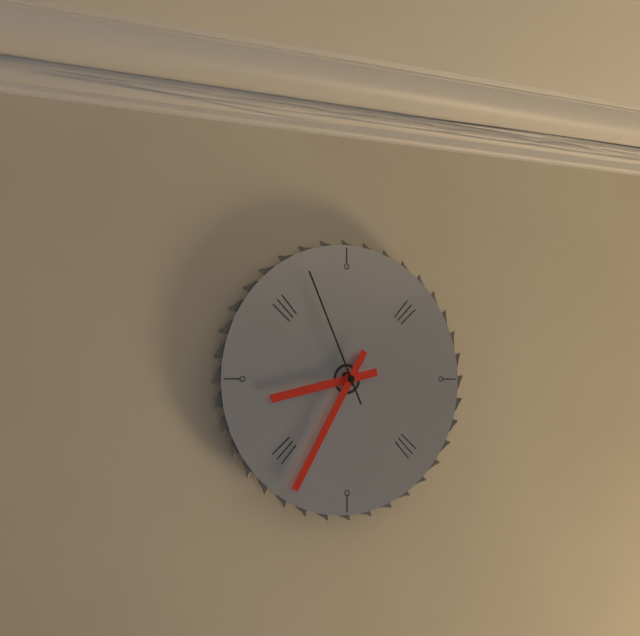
8:35:56
